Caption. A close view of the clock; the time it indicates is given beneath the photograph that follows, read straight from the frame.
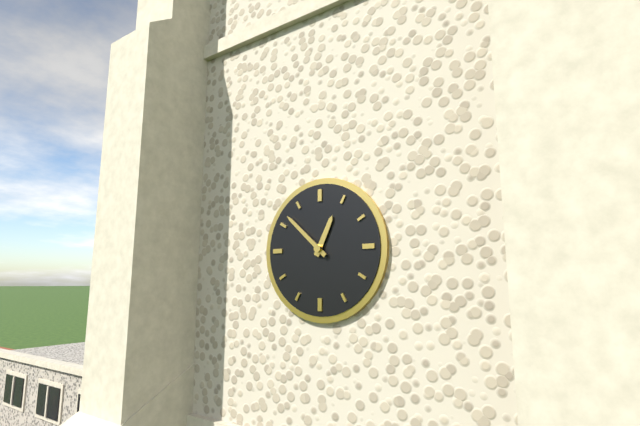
12:52
